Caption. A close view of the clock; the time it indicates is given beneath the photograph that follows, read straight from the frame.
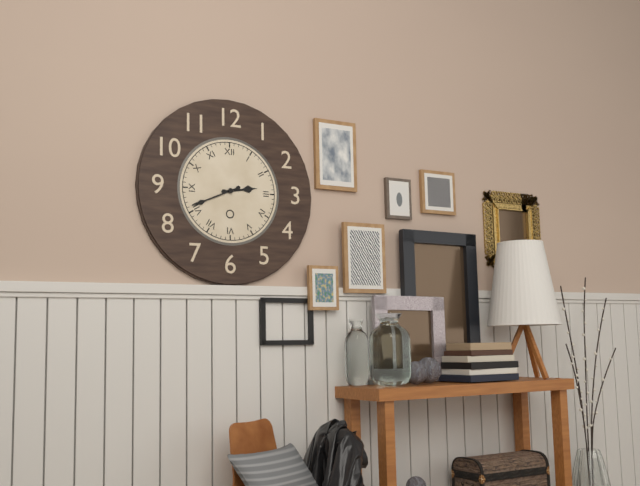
2:41
